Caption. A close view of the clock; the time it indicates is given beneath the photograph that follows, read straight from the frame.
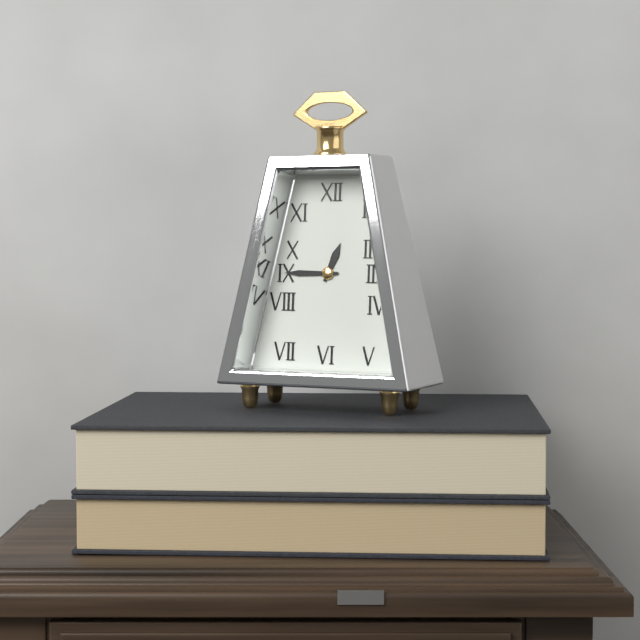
12:45
